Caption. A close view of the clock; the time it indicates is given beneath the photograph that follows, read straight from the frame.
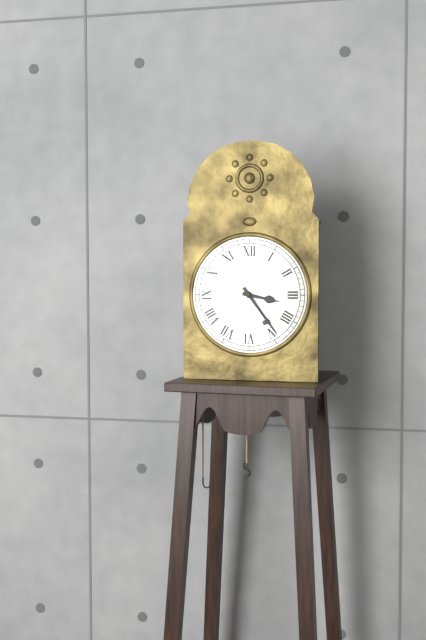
3:24
